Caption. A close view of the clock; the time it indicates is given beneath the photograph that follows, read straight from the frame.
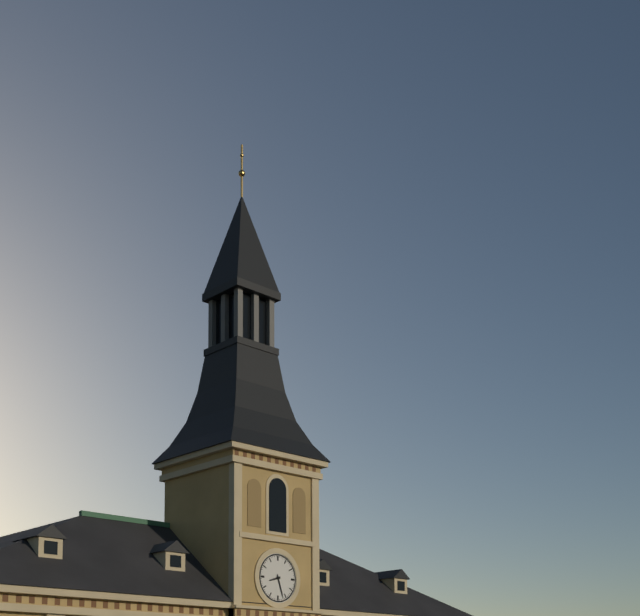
8:27
